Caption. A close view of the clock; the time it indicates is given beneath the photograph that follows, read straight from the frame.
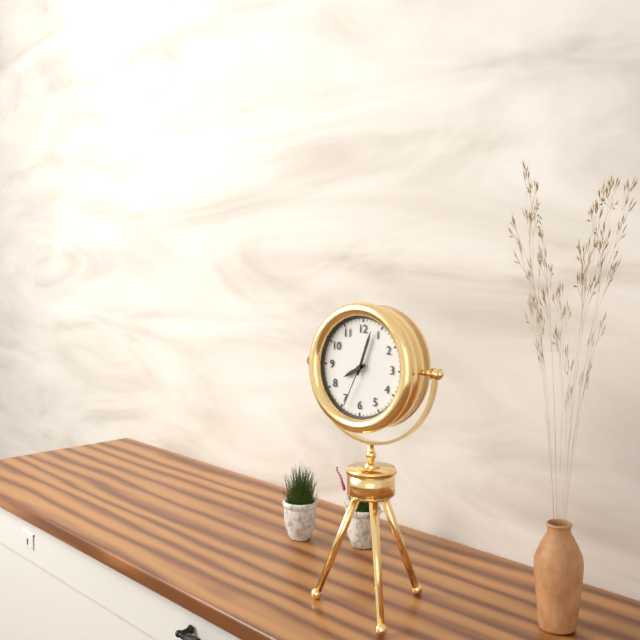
8:03:34
